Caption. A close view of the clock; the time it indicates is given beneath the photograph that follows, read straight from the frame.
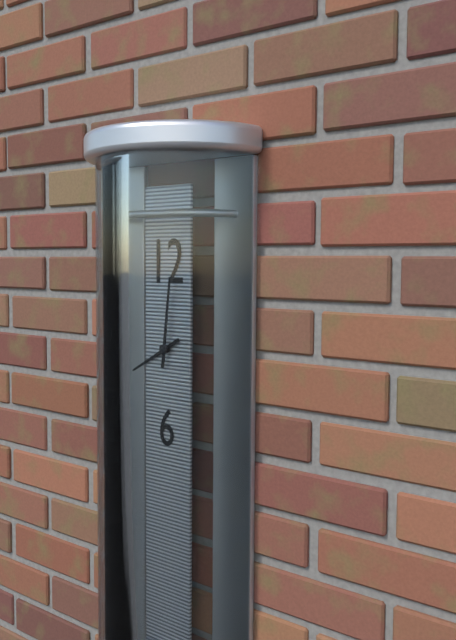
8:01
